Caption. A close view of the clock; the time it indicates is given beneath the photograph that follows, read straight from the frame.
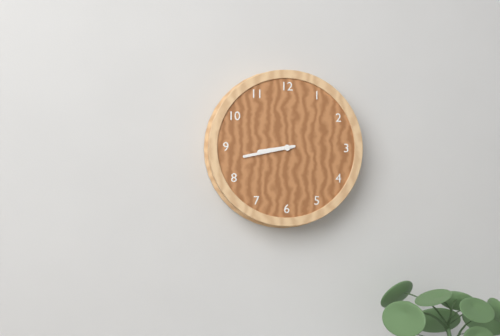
8:43
